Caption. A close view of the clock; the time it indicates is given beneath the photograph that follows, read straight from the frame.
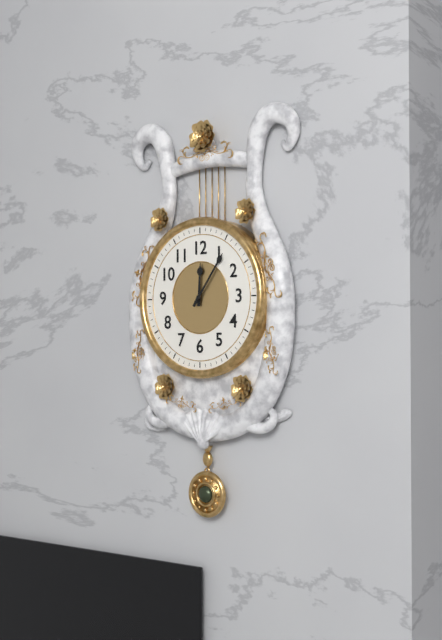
12:06
